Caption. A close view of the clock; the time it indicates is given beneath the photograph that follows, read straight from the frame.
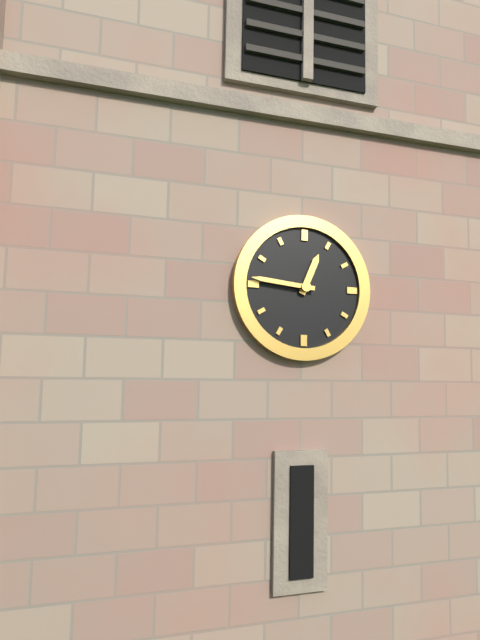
12:46
